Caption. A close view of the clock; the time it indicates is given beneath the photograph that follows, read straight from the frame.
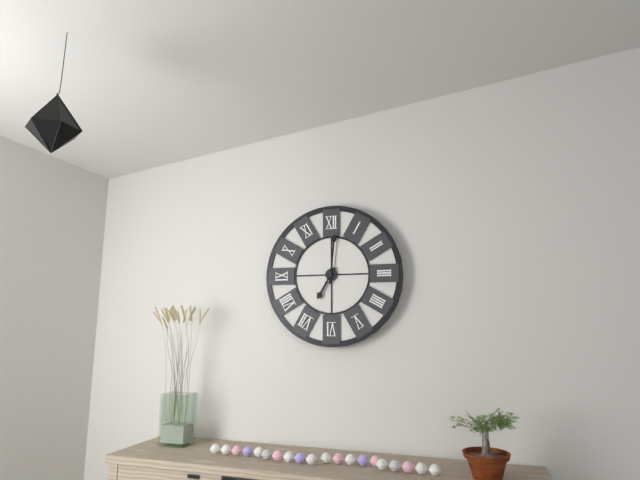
7:01
